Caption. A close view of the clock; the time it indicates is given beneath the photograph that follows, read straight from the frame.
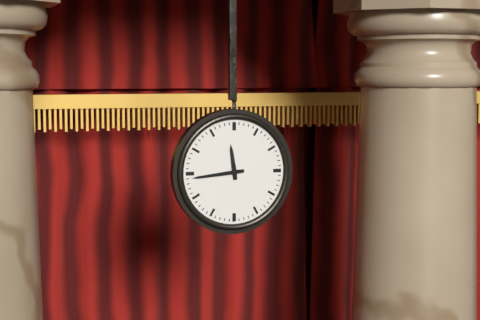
11:44
